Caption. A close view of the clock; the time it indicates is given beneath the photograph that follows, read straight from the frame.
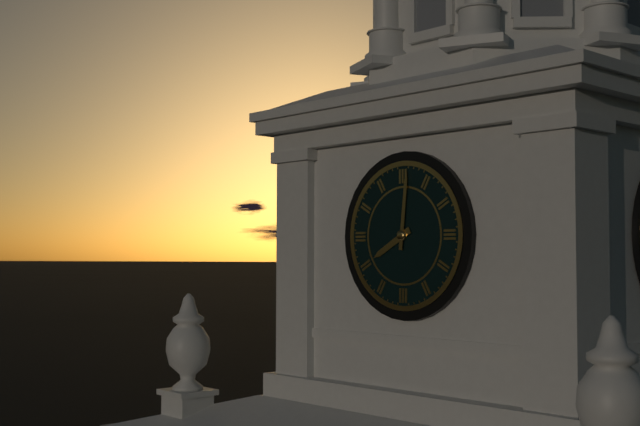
8:01
